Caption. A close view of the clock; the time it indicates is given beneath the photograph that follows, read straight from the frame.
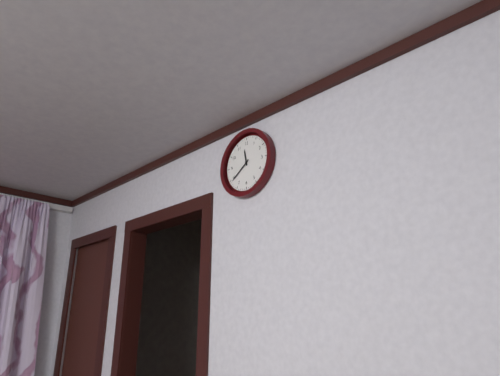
11:39
